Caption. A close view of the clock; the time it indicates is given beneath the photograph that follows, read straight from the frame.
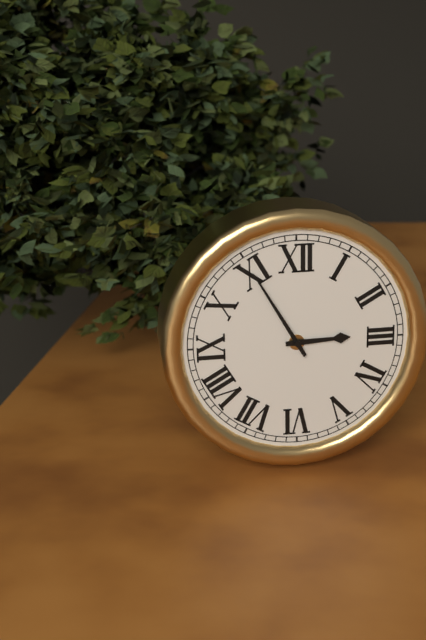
2:55
